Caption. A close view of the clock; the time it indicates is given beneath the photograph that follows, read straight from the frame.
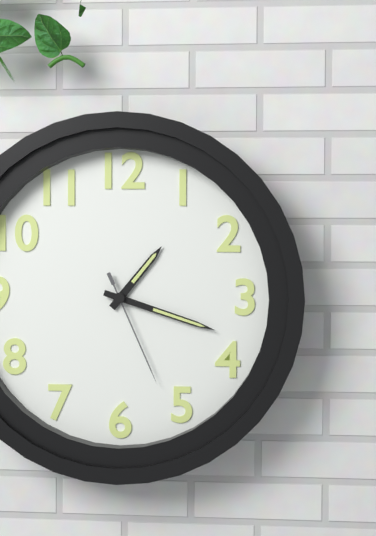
1:18:26
